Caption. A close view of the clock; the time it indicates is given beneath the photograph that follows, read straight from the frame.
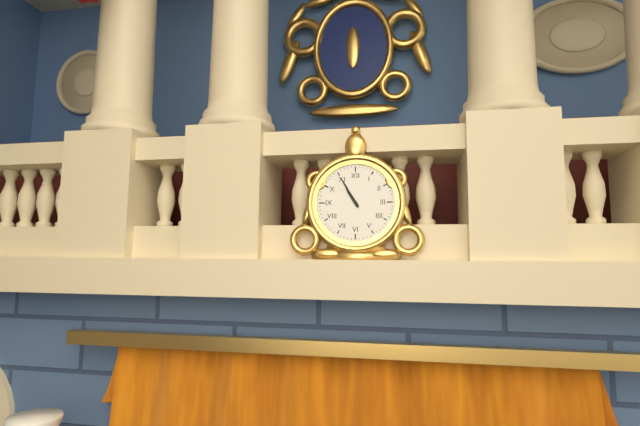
10:55
